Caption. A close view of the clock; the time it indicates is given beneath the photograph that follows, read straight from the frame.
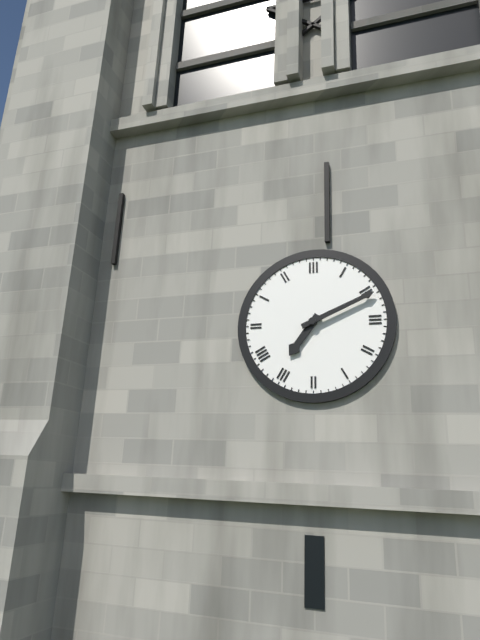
7:11
